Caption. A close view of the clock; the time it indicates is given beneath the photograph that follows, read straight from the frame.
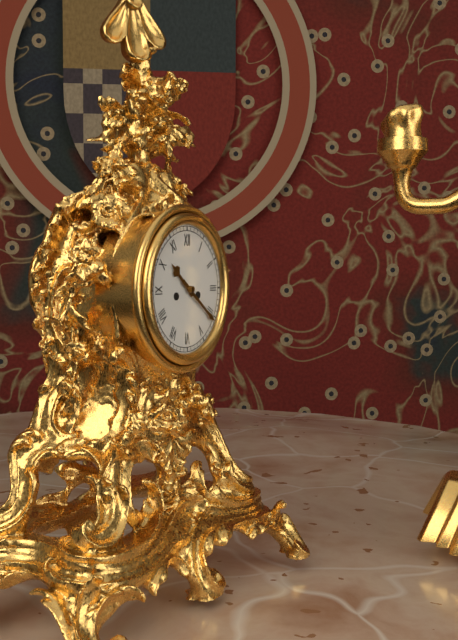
10:21
